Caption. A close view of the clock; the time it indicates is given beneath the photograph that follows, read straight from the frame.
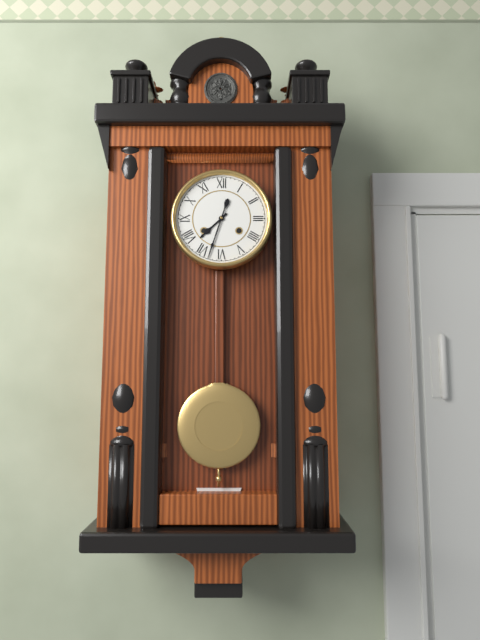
7:33
